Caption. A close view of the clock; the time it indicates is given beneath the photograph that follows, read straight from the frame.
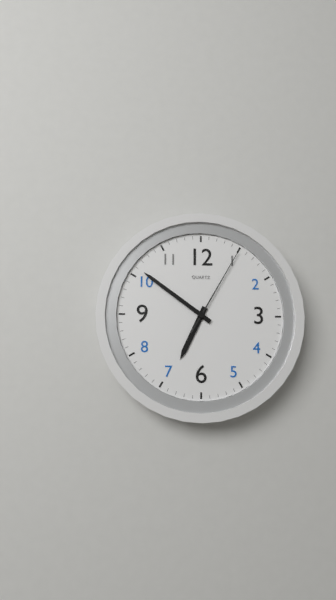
6:51:05
